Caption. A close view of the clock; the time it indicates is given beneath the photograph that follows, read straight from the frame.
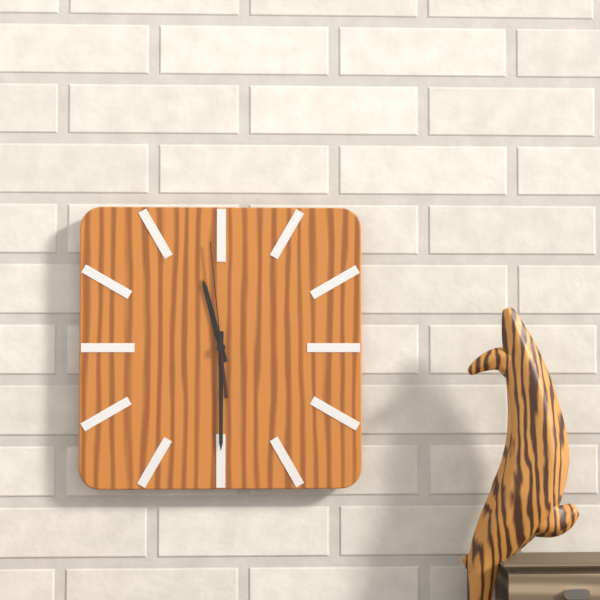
11:30:59
